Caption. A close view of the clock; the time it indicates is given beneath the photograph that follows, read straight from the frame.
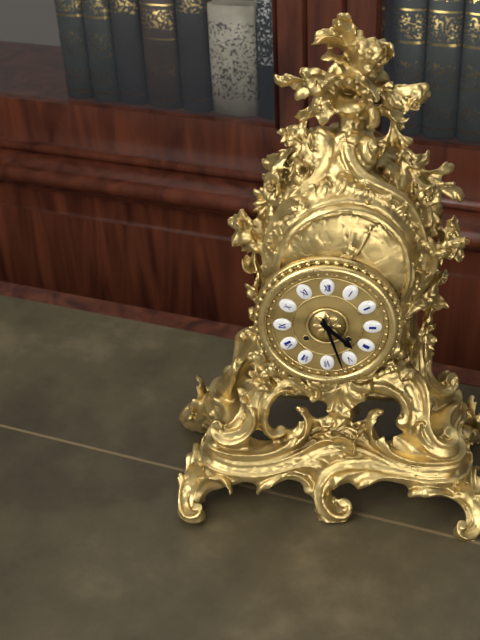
4:27
